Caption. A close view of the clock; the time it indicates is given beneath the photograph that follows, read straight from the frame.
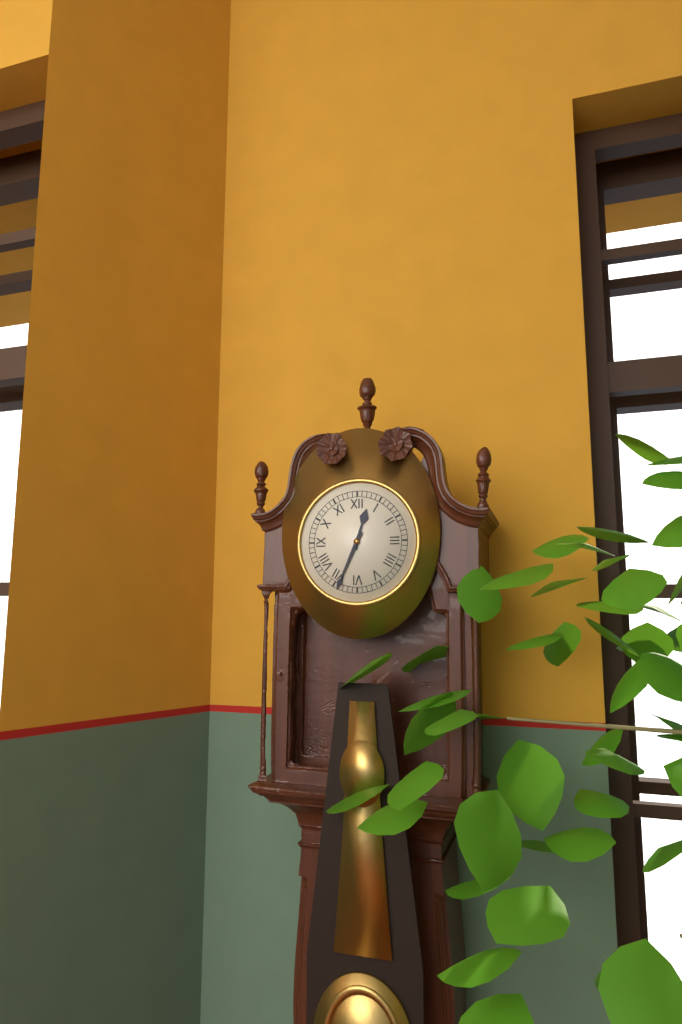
12:34
